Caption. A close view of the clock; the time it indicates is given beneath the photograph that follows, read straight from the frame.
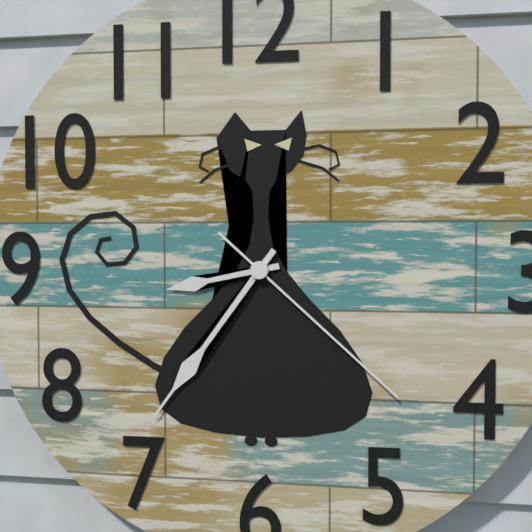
8:36:22
